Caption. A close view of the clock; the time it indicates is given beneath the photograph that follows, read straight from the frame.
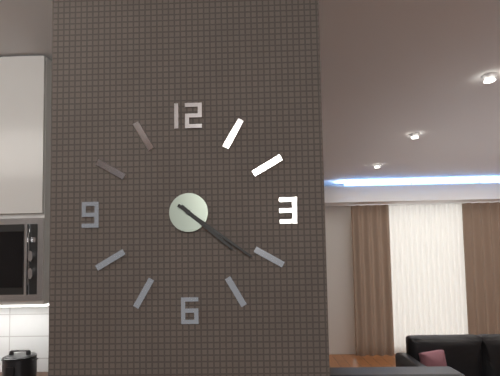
4:21
